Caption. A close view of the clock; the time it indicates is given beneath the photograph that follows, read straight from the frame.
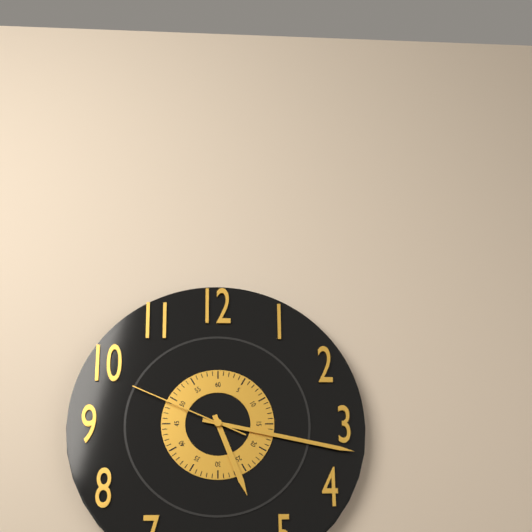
5:17:49
